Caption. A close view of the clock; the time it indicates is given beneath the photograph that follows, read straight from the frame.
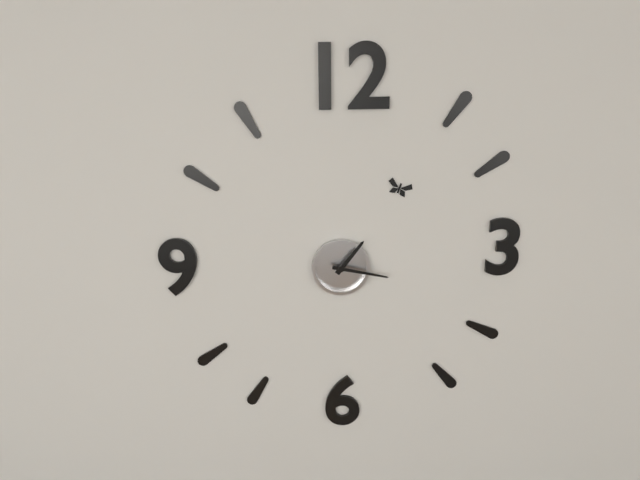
1:17
